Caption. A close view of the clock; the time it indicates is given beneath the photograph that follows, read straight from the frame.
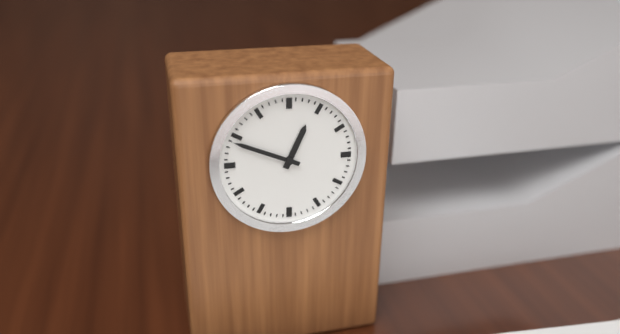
12:49
